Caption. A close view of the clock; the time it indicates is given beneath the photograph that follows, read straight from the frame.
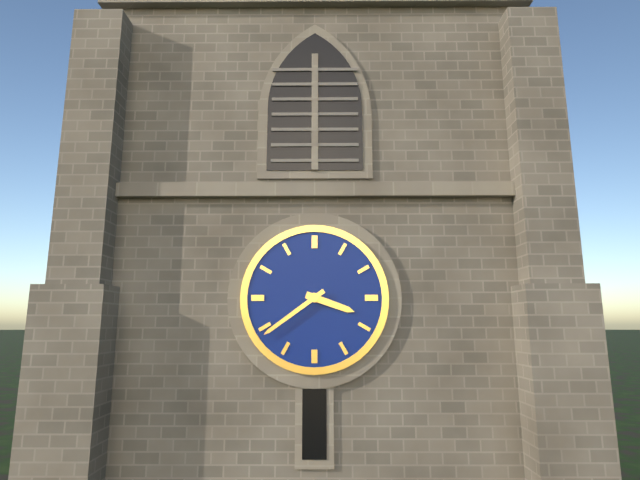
3:39
